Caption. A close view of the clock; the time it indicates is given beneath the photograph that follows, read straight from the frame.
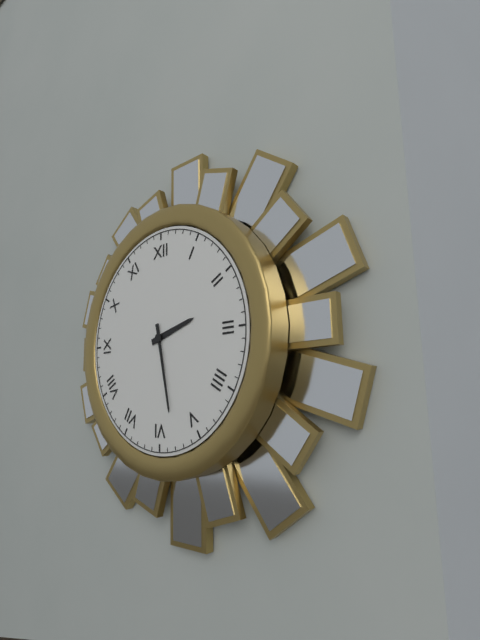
2:28
